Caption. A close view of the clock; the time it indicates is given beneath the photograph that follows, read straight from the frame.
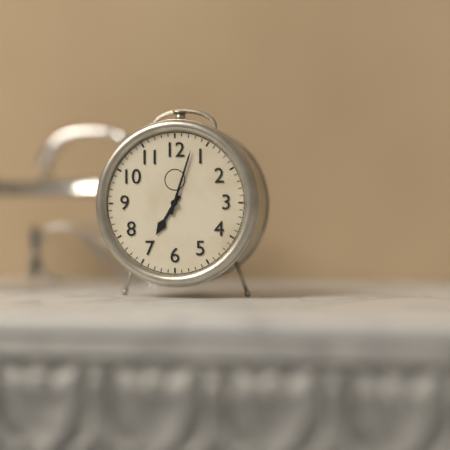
7:03
